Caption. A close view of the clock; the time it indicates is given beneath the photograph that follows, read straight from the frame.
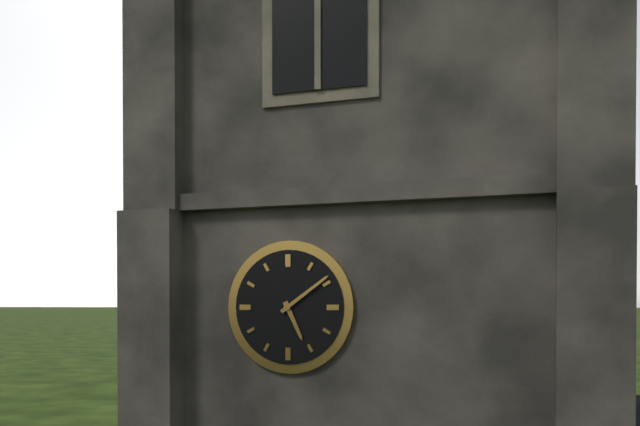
5:09
